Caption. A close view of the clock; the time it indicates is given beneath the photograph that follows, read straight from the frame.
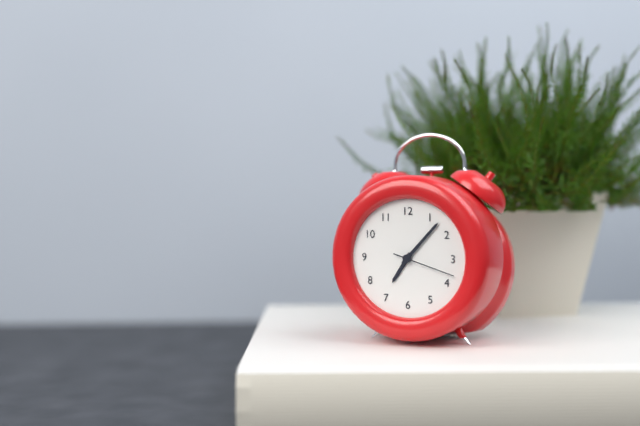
7:07:18
